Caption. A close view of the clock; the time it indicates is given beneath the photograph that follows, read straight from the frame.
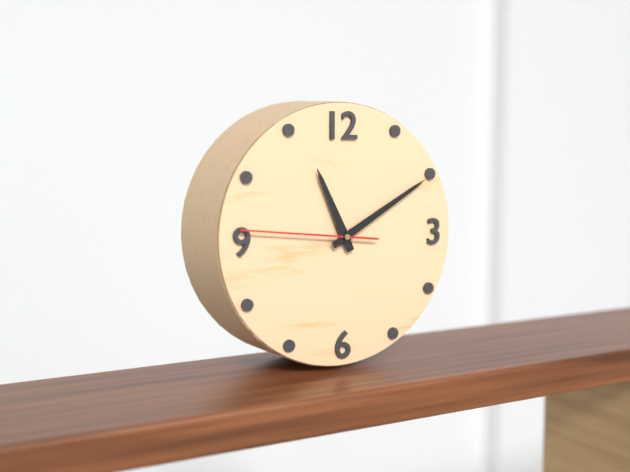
11:10:46
